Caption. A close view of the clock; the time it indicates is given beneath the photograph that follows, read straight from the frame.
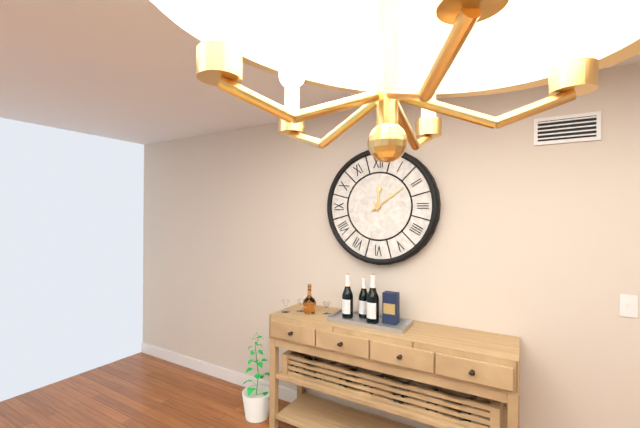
12:09
